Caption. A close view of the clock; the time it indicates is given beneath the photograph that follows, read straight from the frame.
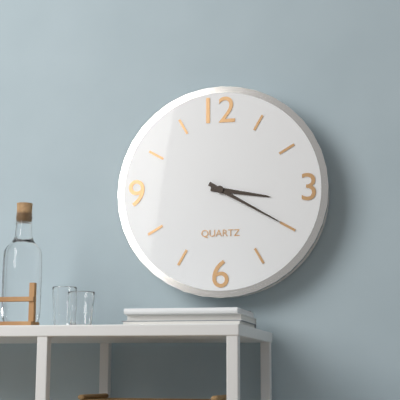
3:20
